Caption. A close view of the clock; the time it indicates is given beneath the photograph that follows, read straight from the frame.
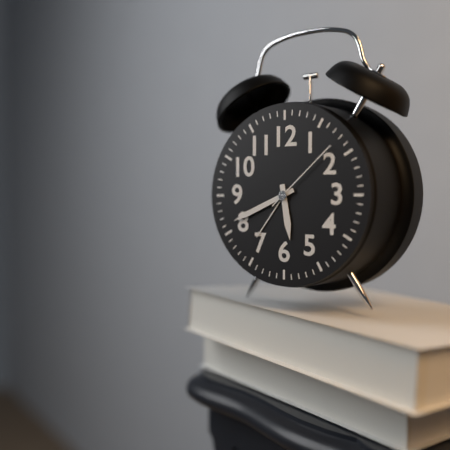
5:41:08
